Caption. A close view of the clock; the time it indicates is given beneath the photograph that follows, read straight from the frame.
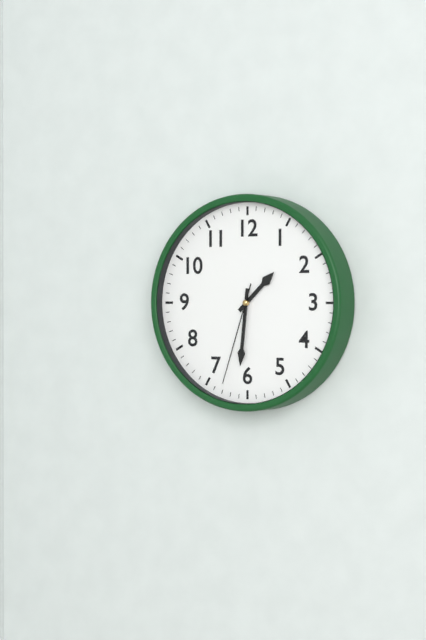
1:31:33
